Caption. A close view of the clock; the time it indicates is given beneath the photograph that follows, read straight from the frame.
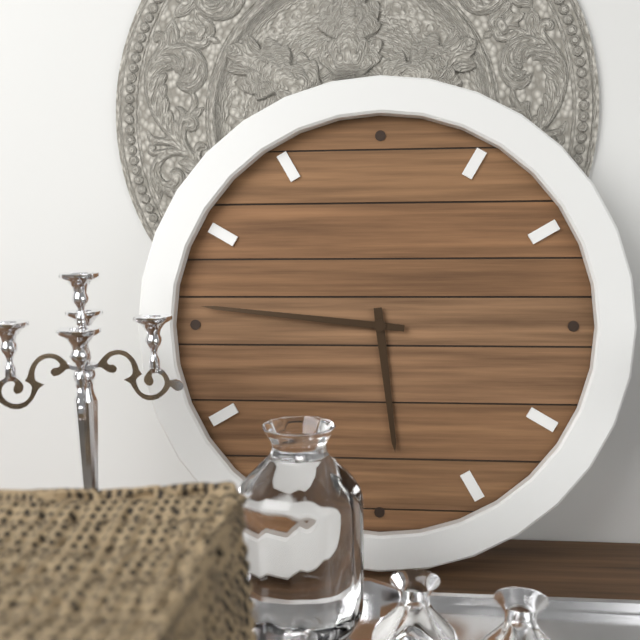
5:46
